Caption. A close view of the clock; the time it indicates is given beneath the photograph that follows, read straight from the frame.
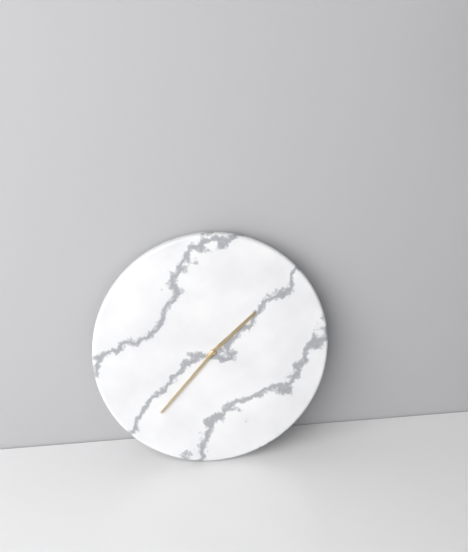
1:37
